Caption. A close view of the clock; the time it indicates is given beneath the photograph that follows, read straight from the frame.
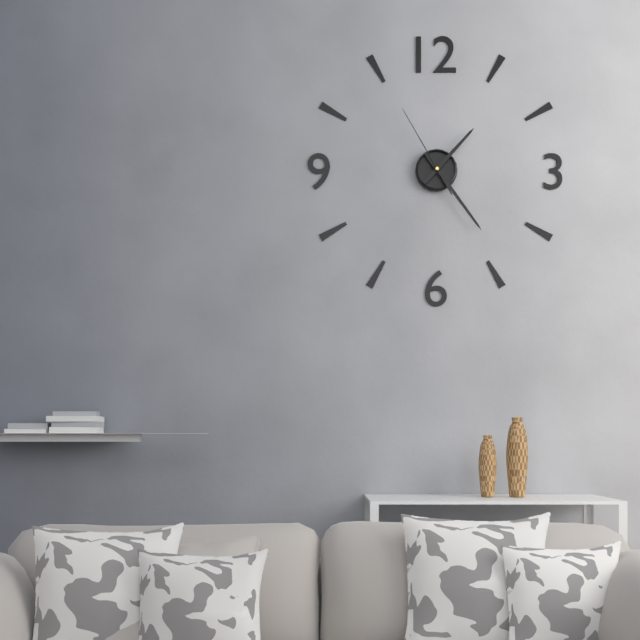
1:24:55
